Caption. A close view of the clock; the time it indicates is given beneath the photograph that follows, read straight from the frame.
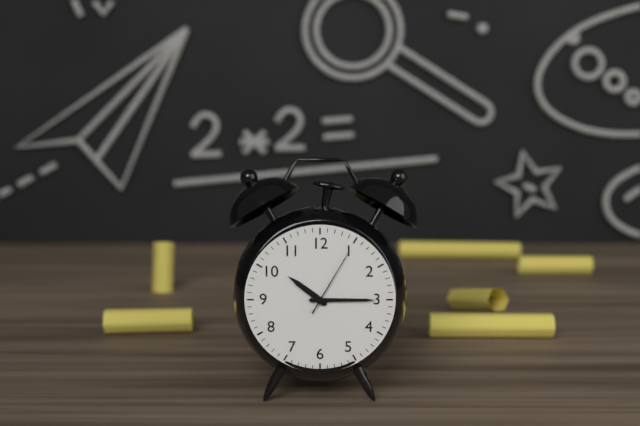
10:15:05
